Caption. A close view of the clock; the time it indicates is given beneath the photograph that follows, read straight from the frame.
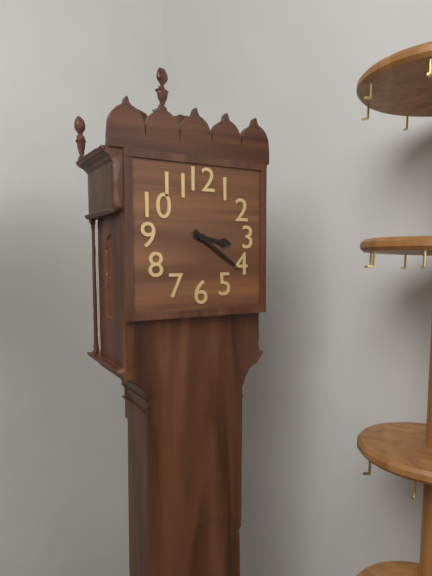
3:21
